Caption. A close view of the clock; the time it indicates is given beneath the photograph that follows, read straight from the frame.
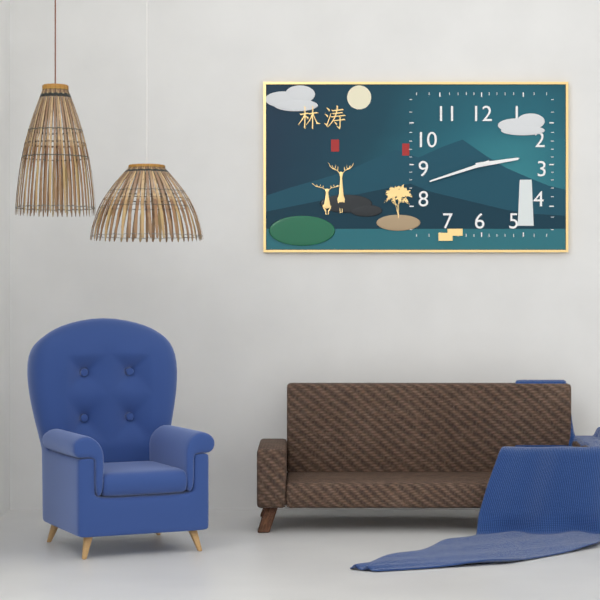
2:42
